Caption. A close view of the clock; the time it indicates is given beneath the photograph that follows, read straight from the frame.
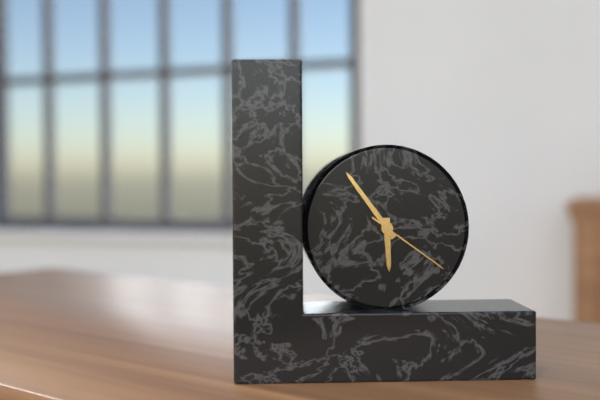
5:54:21
